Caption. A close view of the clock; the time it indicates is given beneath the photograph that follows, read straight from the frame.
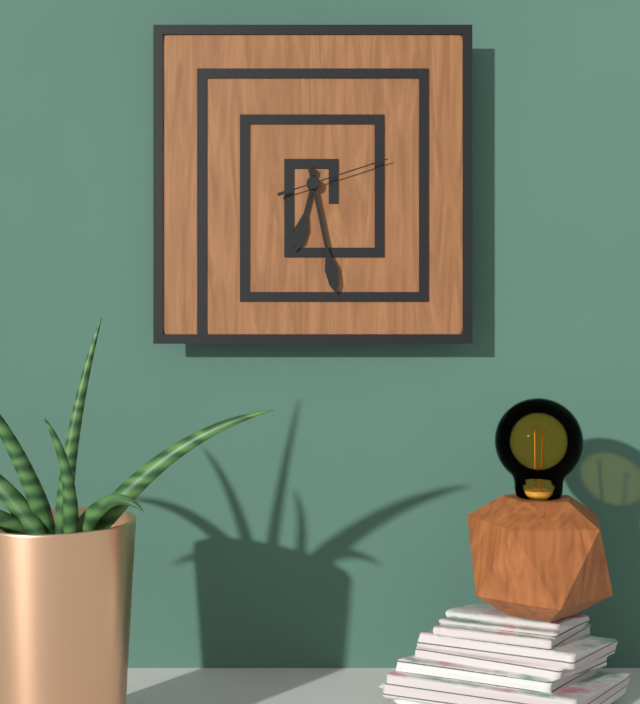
6:28:12
